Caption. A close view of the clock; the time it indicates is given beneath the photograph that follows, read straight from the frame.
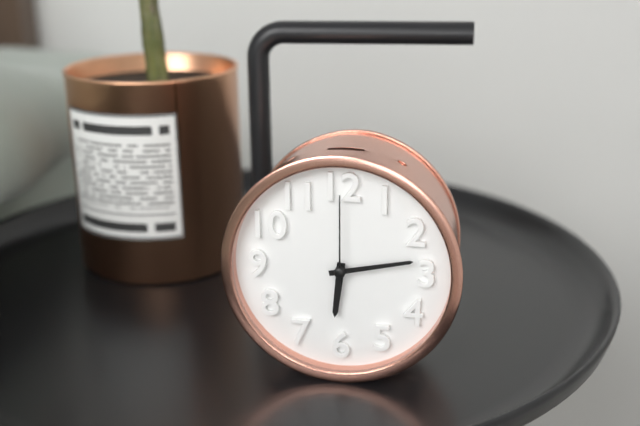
6:13:00
